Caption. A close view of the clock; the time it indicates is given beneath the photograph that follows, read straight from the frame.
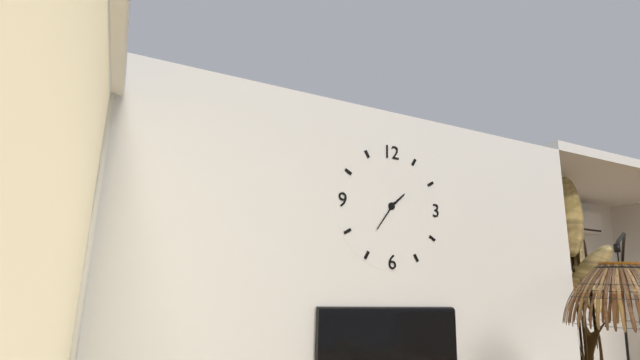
1:36
